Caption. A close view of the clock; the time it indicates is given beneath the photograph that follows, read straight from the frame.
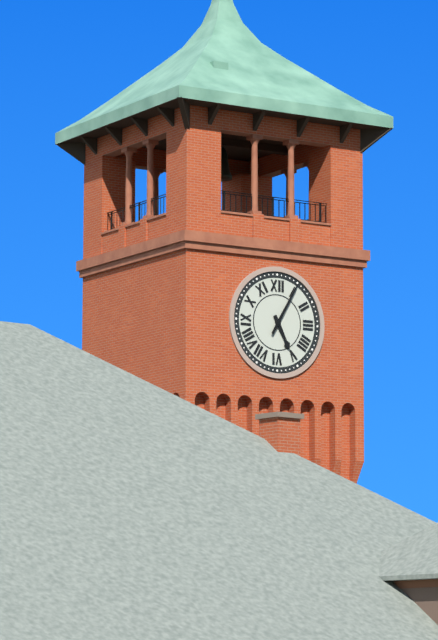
5:05
